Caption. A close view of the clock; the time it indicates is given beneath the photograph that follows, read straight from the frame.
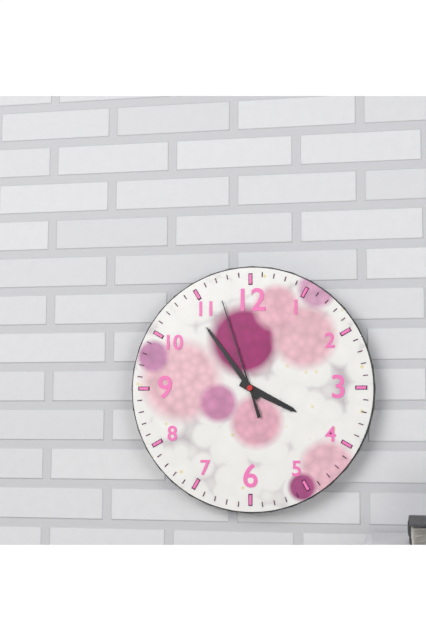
3:54:57
